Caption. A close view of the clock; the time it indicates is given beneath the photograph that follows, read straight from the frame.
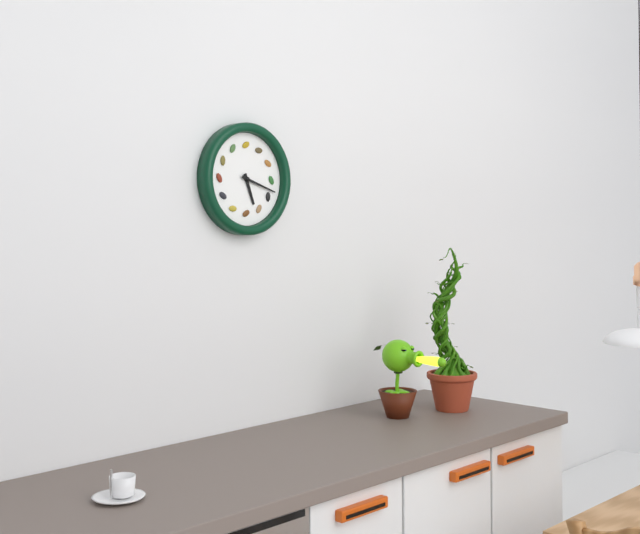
5:18
